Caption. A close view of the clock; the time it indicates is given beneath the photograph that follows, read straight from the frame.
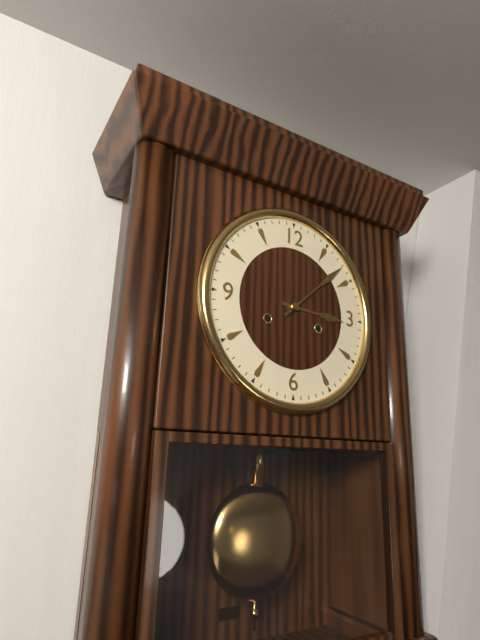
3:08
